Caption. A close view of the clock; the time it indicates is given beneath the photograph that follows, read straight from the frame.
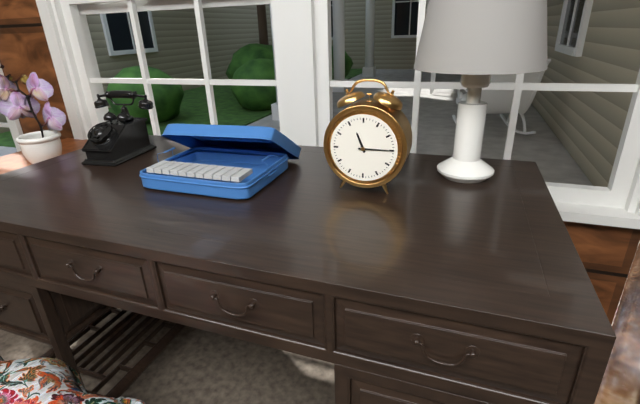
11:15
